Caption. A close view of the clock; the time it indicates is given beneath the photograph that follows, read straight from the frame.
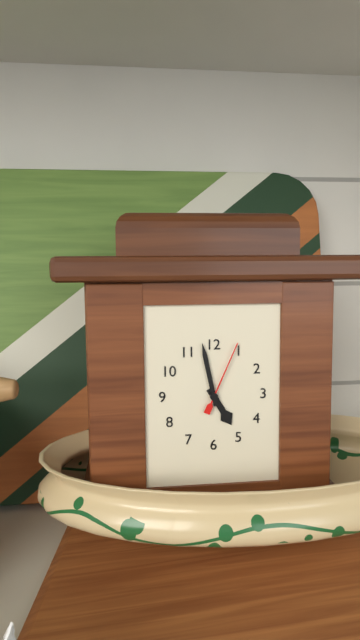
4:58:04
